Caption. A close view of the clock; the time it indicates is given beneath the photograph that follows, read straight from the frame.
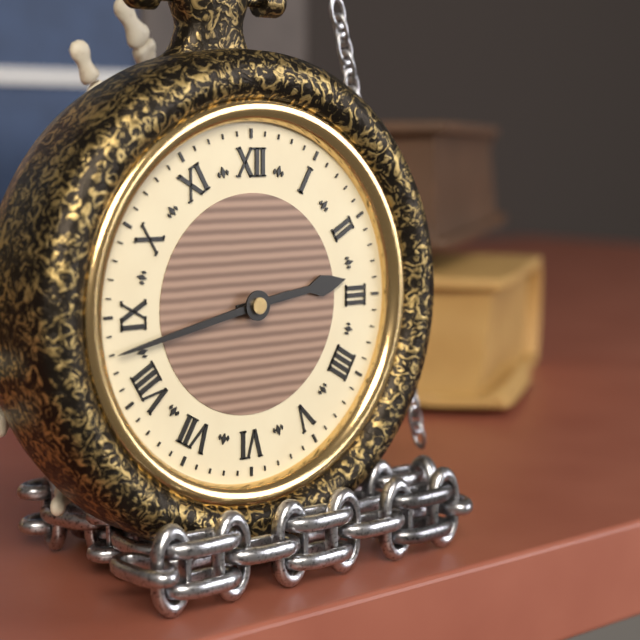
2:43
